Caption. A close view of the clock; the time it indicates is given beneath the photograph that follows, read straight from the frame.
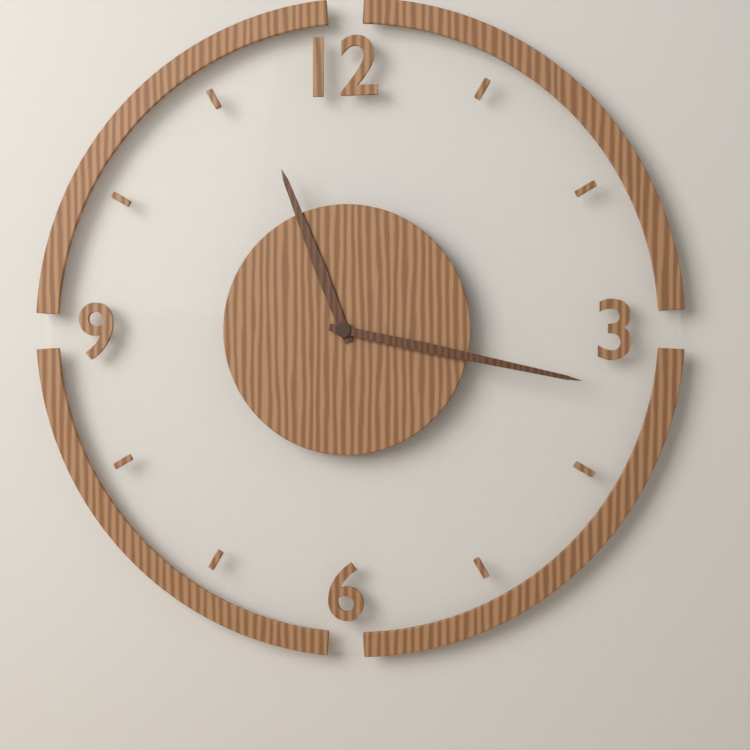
11:17
